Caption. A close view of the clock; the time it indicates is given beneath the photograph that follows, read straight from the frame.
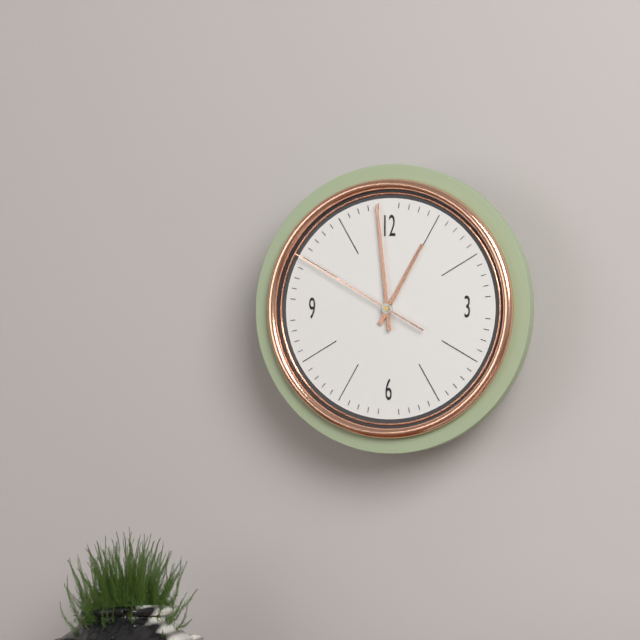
12:59:50
